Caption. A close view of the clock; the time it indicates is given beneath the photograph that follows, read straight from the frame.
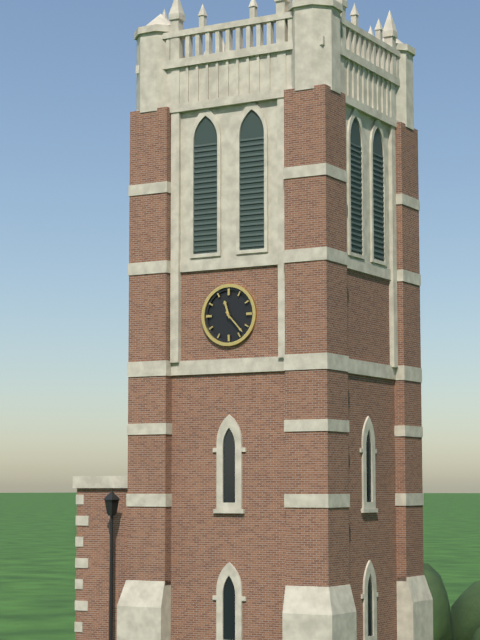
11:23
